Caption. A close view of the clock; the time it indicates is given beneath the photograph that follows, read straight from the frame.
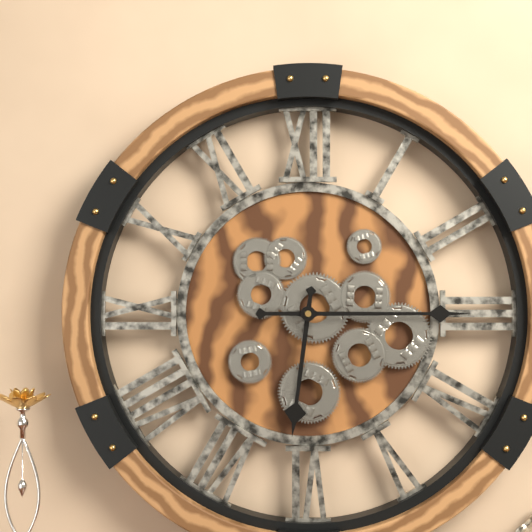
6:15
